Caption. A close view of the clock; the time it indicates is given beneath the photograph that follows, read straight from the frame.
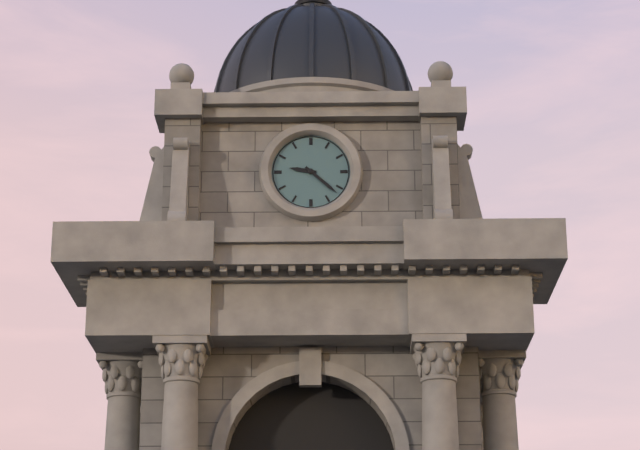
9:22
